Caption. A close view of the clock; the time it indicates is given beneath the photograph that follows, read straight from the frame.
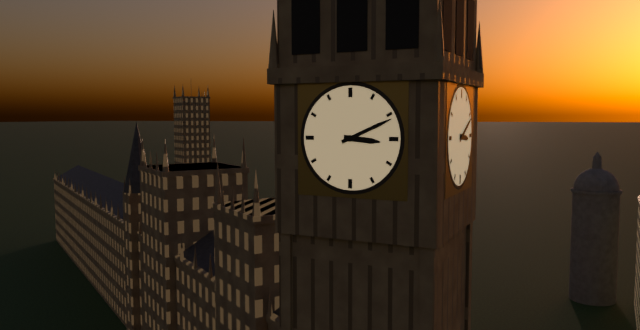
3:11
